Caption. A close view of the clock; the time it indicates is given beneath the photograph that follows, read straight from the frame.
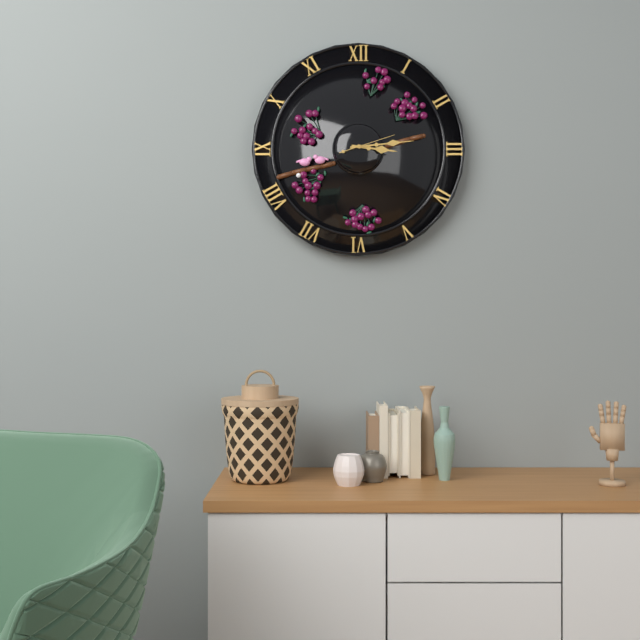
3:14
